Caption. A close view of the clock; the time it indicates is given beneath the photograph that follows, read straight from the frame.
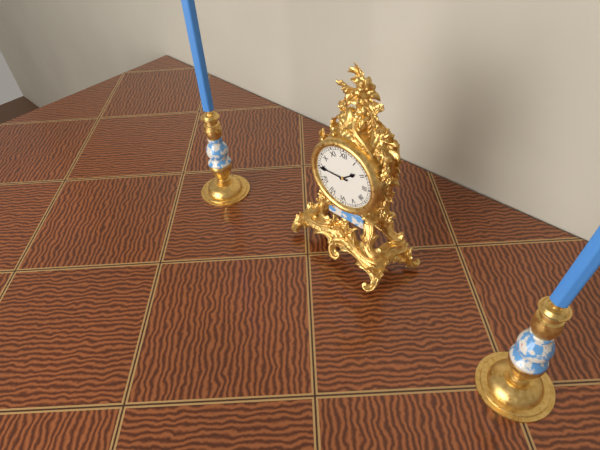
1:45
